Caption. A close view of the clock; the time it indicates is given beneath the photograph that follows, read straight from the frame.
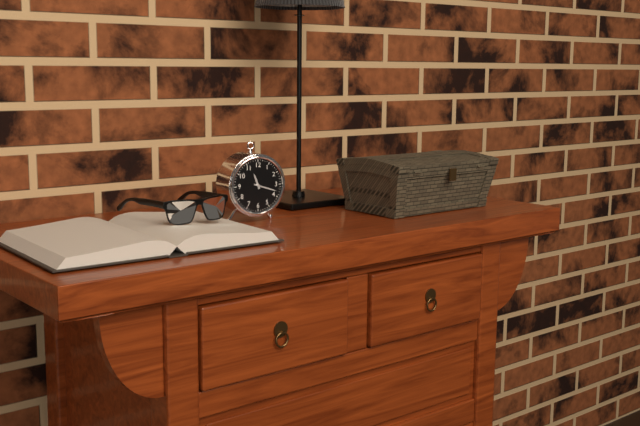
11:18
